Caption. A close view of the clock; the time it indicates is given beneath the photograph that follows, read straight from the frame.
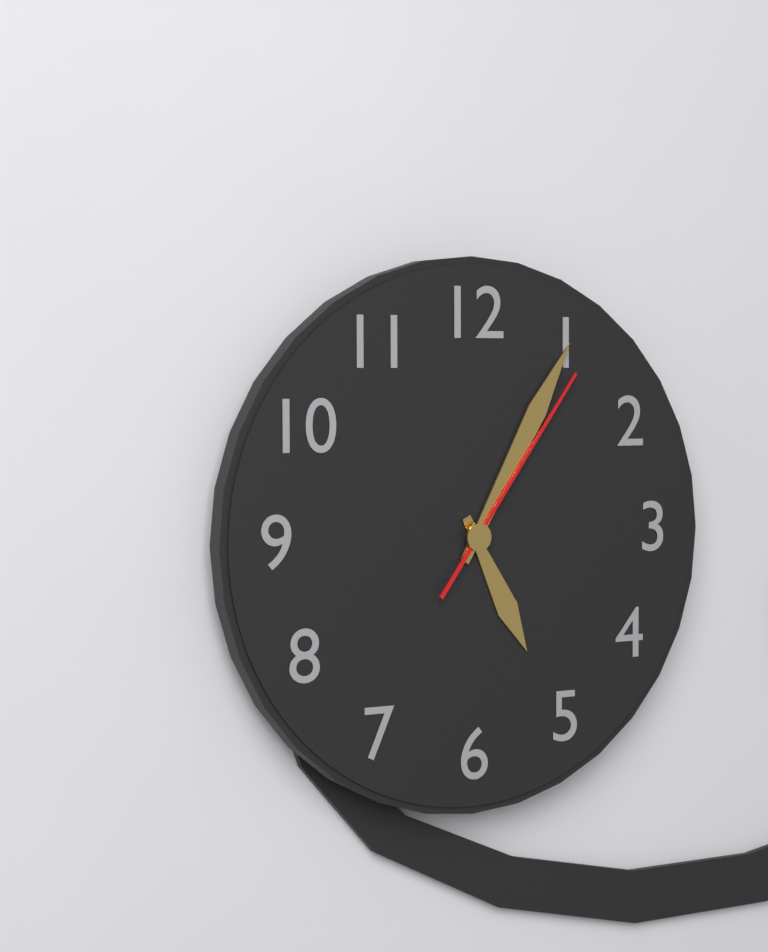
5:05:06
